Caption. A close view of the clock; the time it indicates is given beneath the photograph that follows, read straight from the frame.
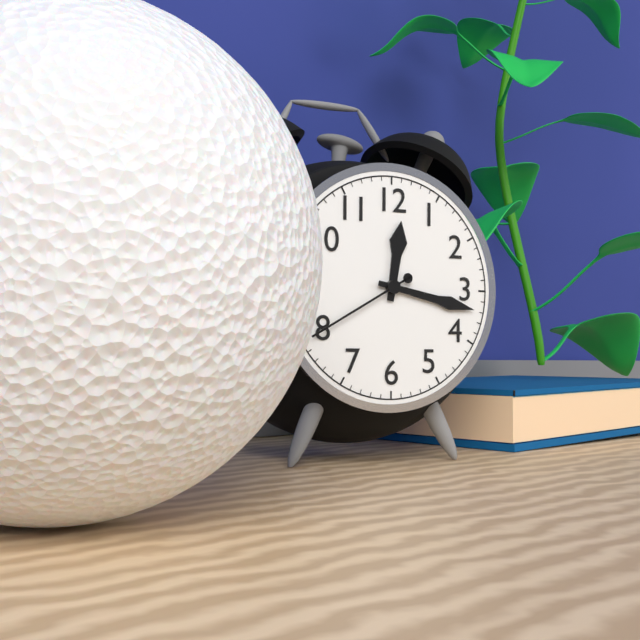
12:17:40
